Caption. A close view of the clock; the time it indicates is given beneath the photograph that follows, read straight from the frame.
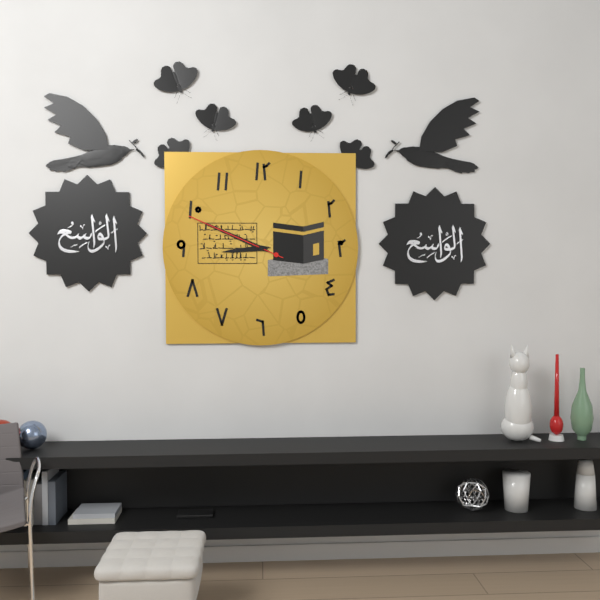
8:49:49
